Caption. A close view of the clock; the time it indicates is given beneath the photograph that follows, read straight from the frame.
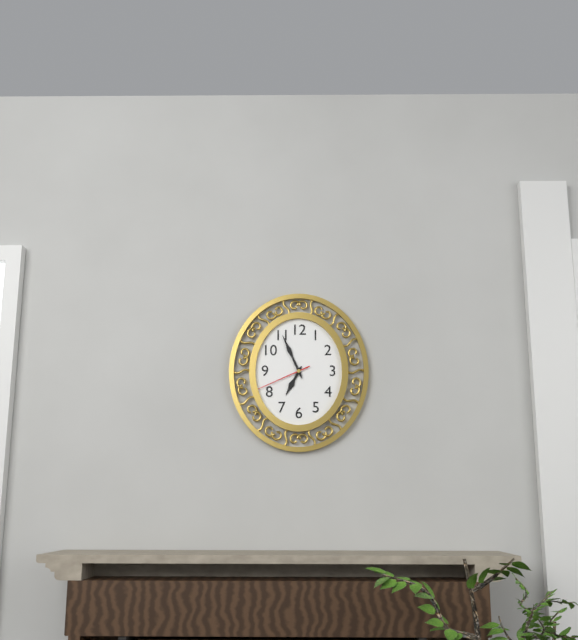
6:56:41
